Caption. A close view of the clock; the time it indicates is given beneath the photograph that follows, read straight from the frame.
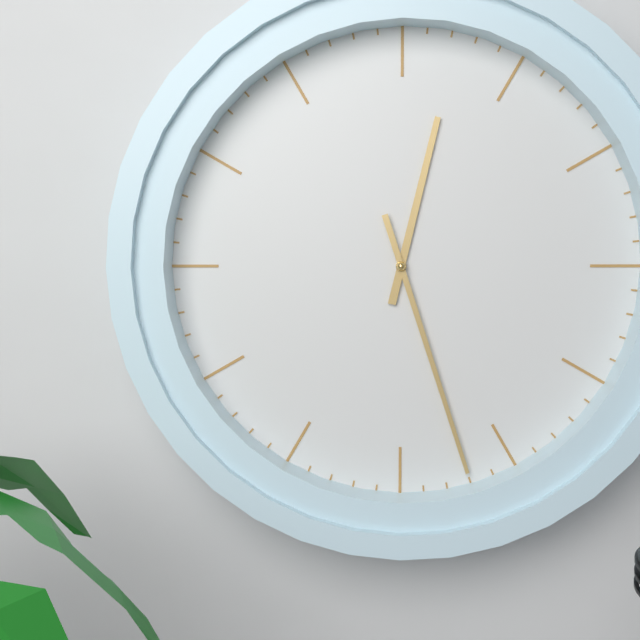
12:27
